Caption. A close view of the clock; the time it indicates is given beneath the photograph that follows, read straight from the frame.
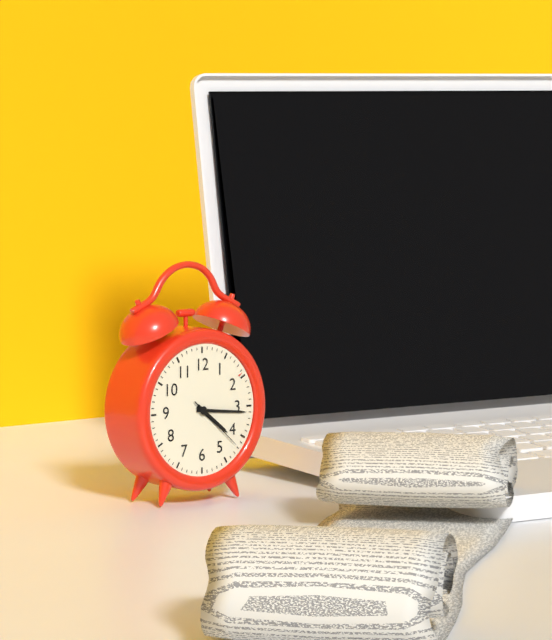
4:16:22
